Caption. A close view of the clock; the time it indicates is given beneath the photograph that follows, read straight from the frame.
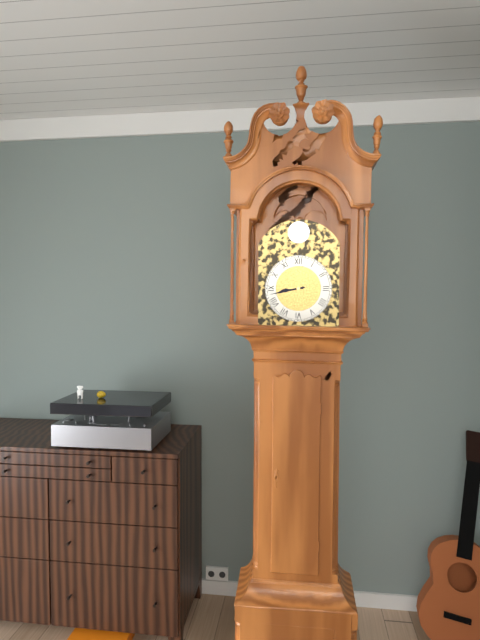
8:43
